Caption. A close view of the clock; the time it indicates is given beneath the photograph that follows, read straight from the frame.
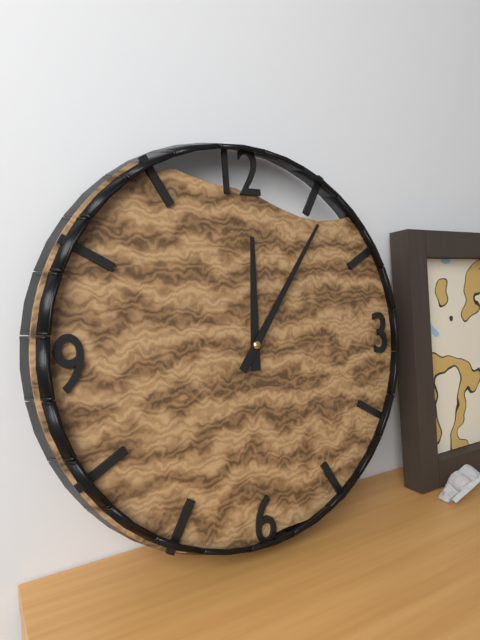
12:06
